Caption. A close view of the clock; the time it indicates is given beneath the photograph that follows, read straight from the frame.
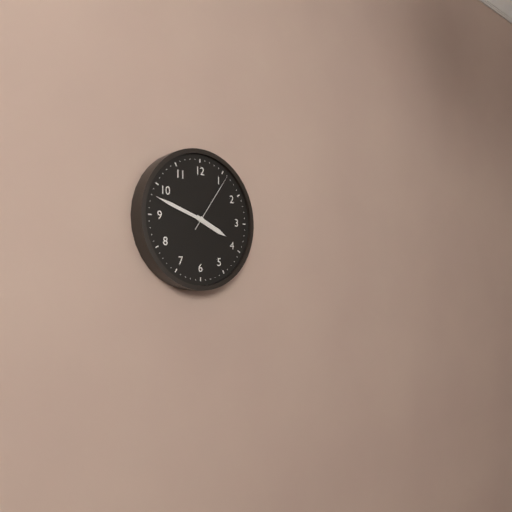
3:48:06
